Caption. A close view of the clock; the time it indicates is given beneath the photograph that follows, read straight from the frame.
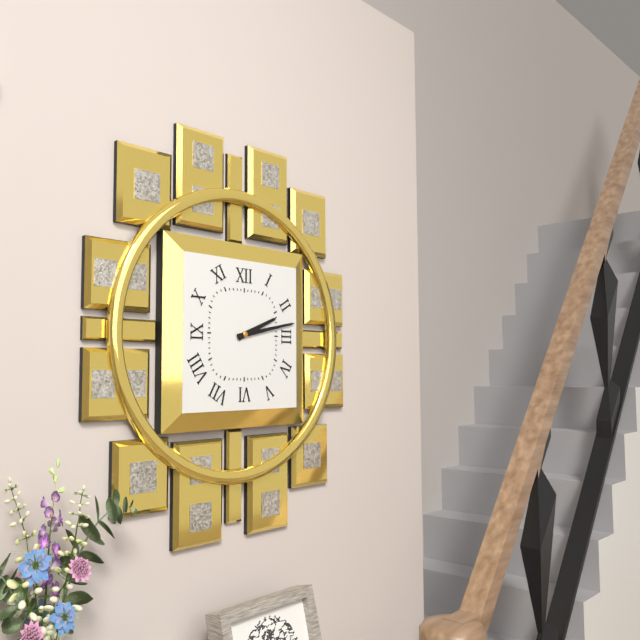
2:13
